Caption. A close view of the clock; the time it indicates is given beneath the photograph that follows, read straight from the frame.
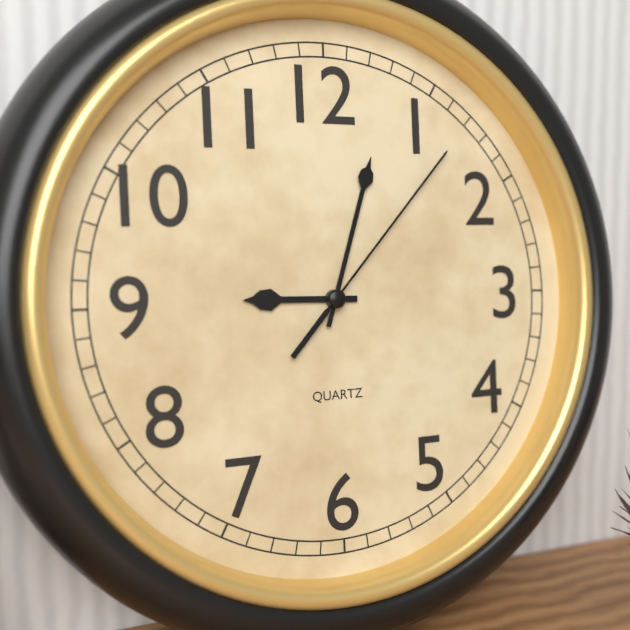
9:03:07
